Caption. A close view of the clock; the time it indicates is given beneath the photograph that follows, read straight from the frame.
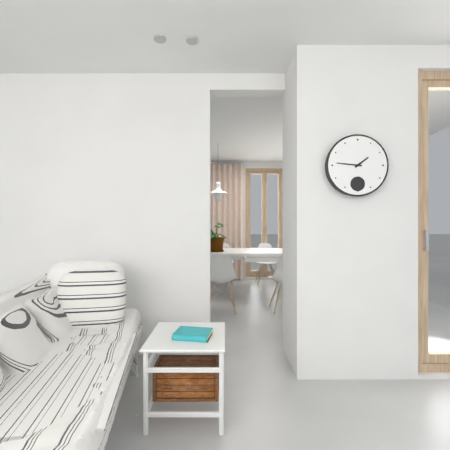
1:46
